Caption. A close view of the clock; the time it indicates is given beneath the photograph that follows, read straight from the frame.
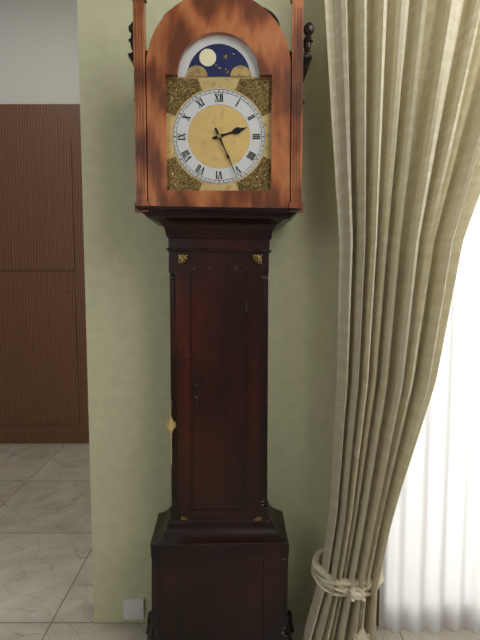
2:26
